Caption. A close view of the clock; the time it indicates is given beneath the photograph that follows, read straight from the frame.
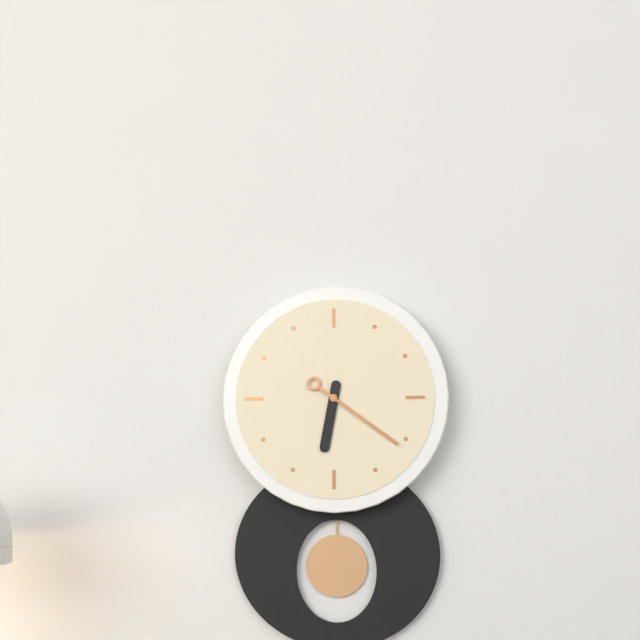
6:21
